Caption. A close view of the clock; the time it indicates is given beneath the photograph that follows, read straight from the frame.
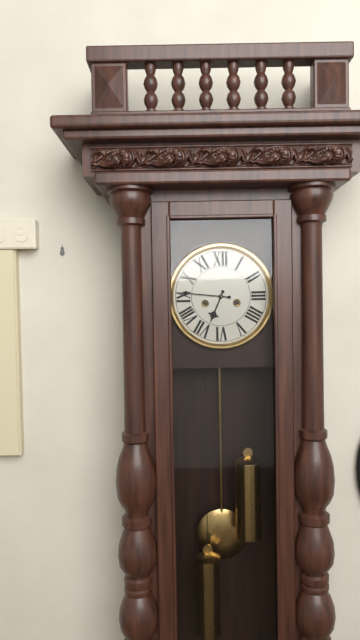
6:46
